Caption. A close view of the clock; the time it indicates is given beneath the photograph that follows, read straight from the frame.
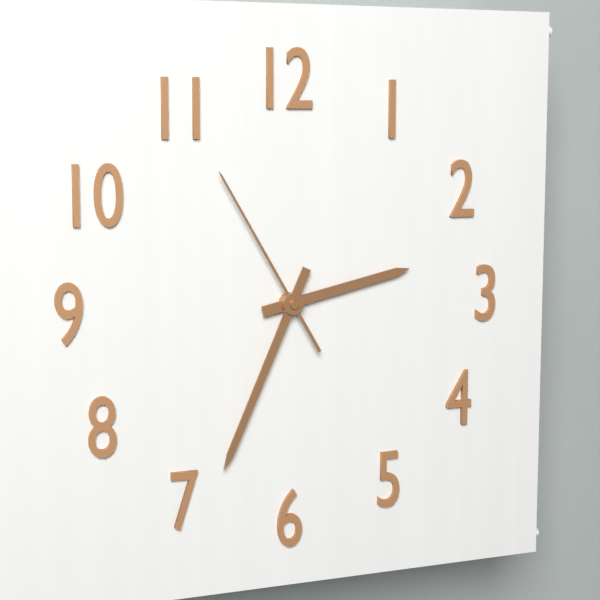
2:34:55
